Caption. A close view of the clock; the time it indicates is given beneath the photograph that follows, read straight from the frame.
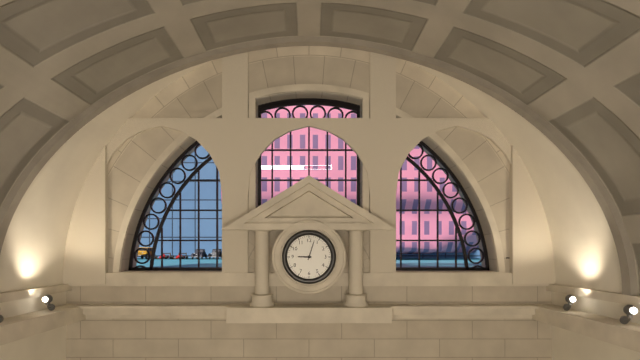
9:03
